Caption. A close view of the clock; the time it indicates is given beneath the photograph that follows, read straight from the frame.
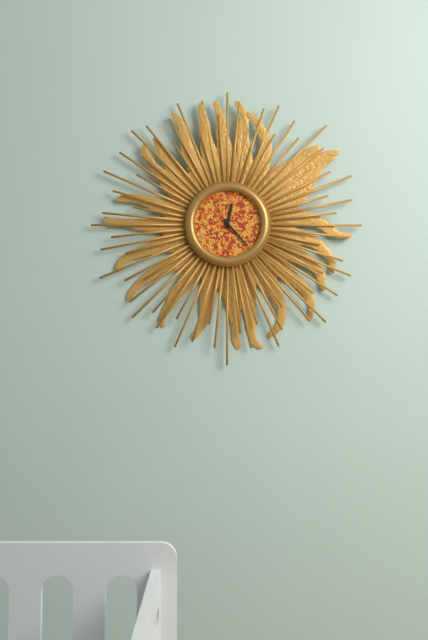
12:23
